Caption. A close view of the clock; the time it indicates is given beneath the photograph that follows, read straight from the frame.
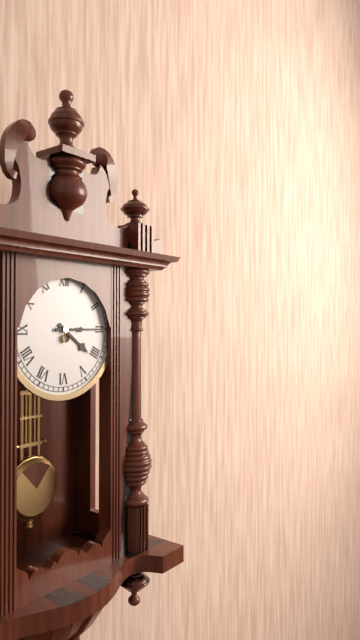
4:15
